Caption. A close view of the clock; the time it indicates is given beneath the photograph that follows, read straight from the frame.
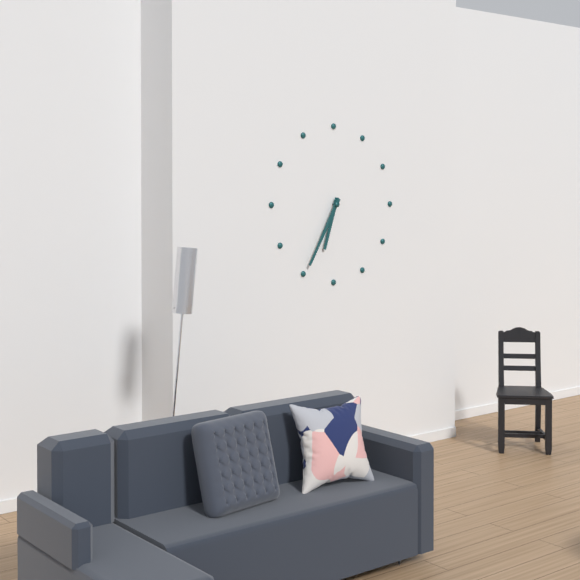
6:35
